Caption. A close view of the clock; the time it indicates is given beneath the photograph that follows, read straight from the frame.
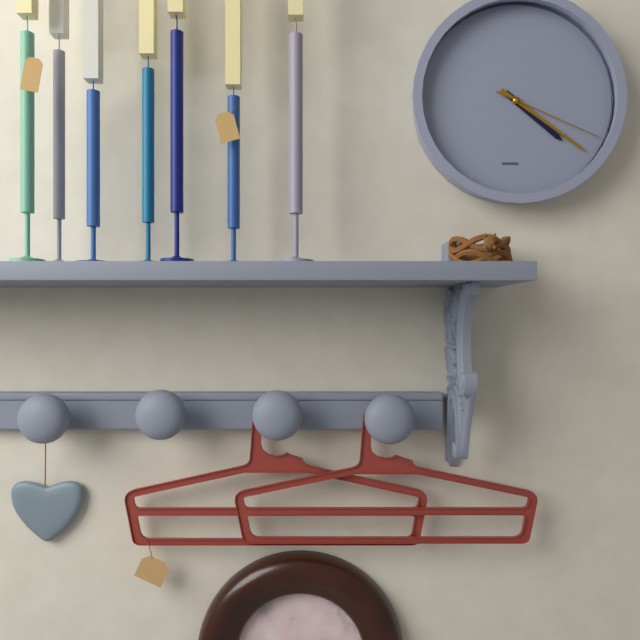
4:21:19
